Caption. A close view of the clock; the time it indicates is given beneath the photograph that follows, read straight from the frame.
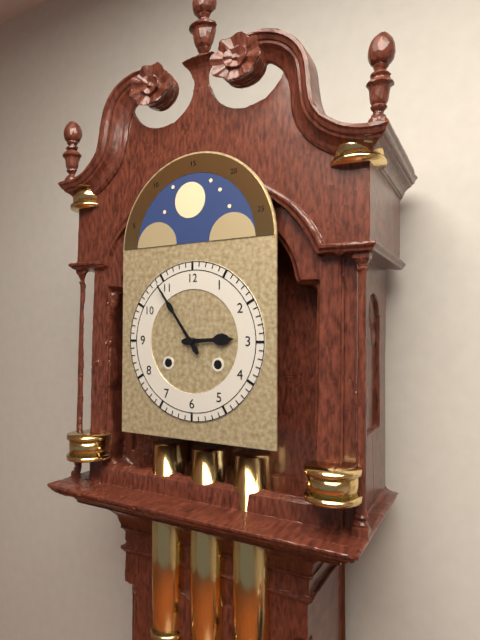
2:54
